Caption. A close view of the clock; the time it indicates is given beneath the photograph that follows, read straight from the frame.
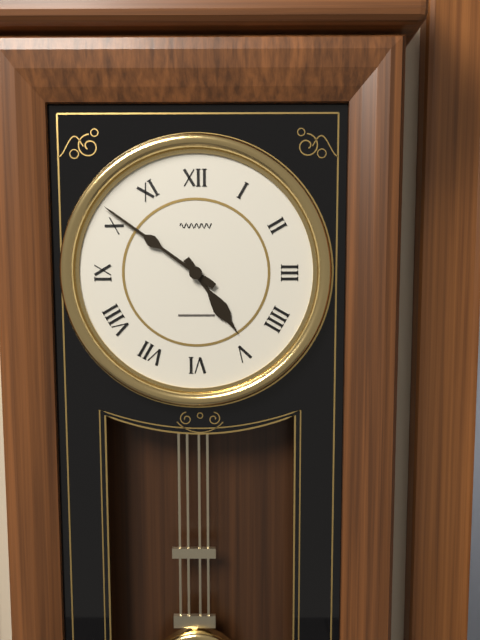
4:51
